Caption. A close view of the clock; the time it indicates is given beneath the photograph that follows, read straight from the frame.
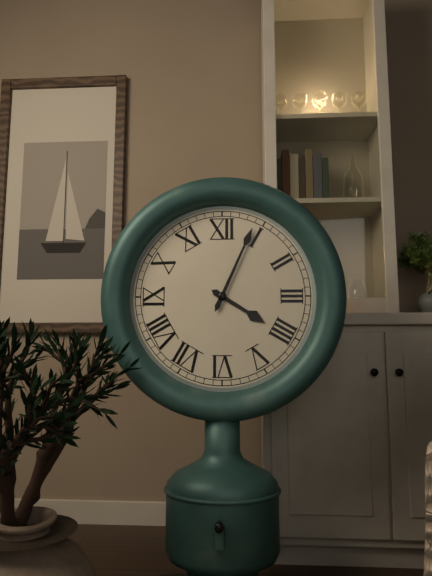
4:04
